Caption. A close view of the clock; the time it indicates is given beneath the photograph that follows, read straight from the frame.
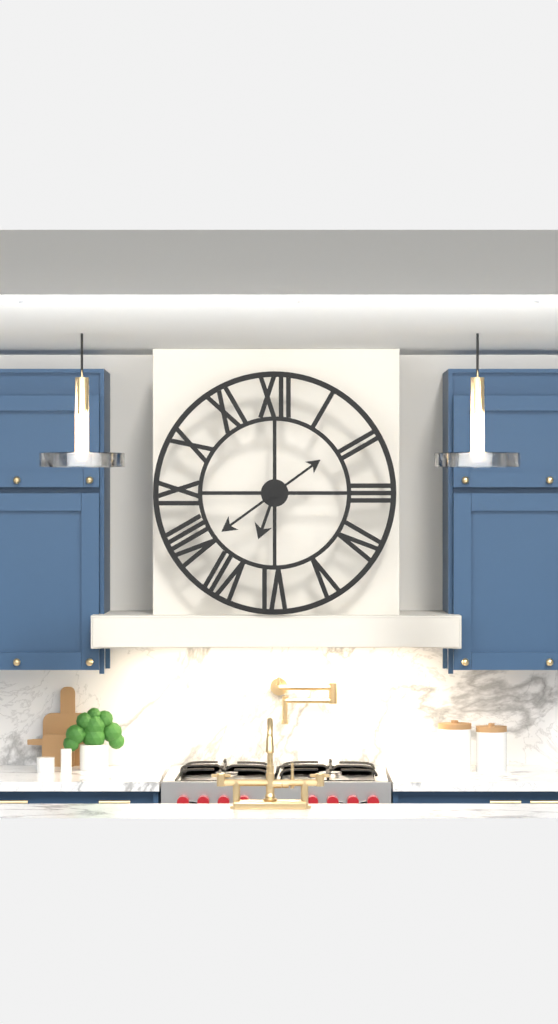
6:39
